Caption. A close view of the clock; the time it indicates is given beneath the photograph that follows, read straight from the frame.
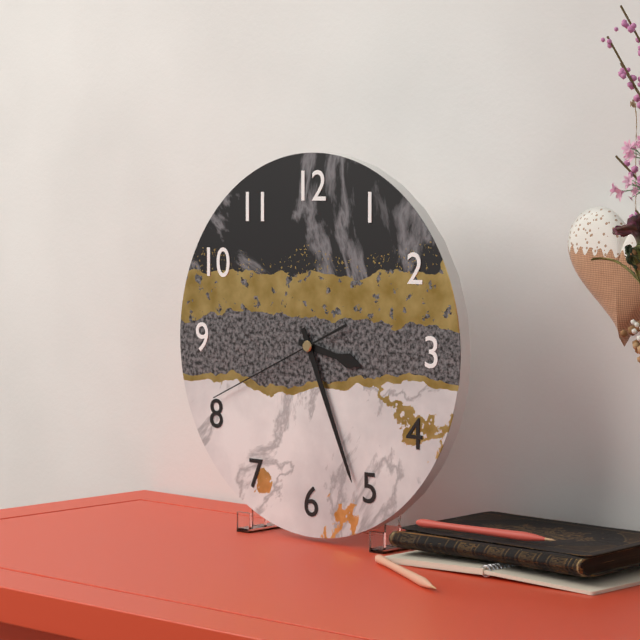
3:26:41
